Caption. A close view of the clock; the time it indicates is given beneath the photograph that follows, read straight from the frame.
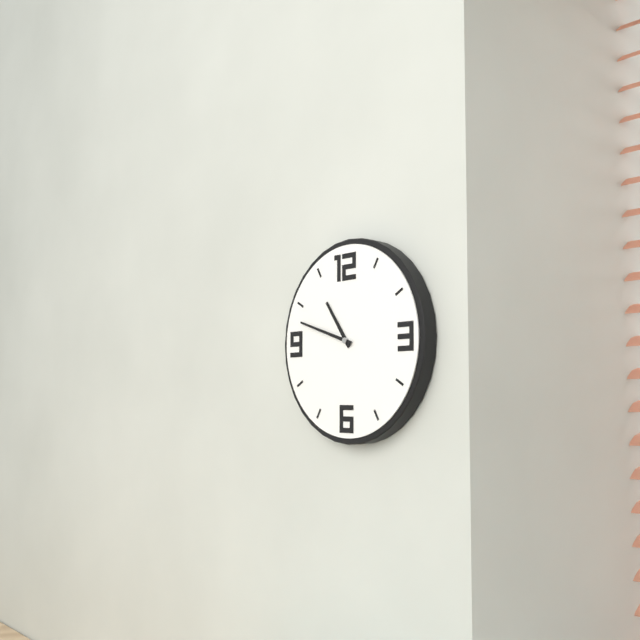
10:48
